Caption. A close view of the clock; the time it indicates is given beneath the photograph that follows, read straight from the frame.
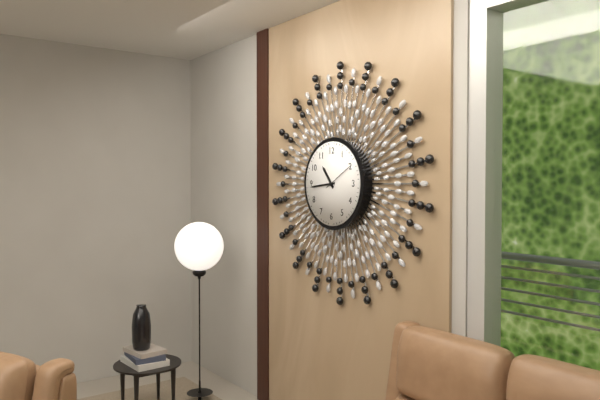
10:44
